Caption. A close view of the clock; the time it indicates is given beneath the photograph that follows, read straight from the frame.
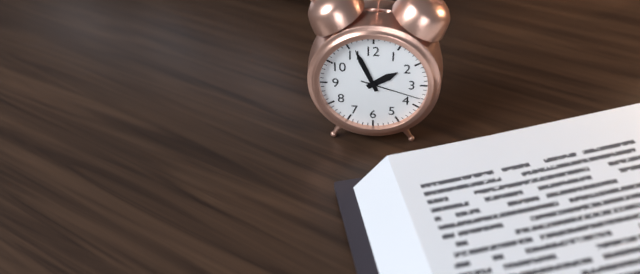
1:56:18
